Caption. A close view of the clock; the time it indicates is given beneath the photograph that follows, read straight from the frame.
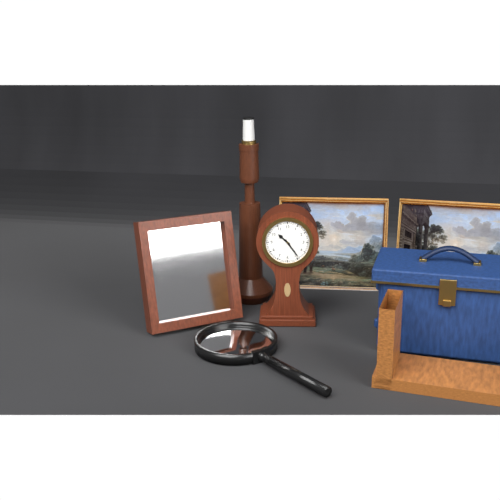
10:24
